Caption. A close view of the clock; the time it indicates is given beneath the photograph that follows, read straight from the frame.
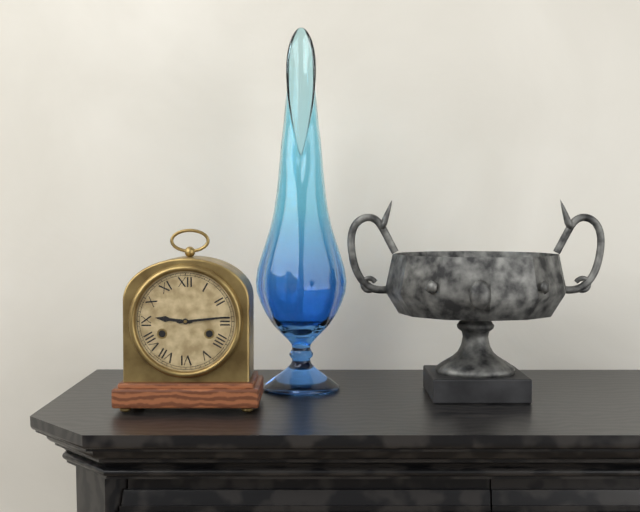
9:14
